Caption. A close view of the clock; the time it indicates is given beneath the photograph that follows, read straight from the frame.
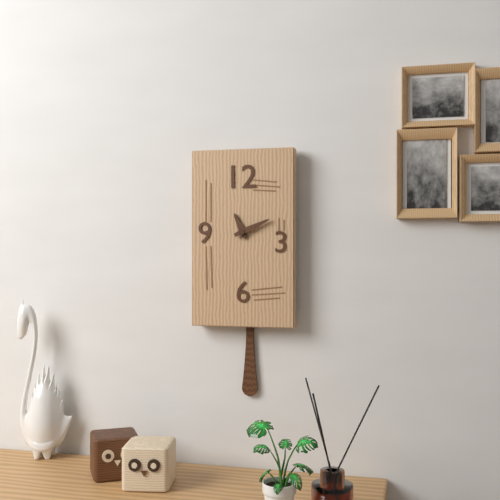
11:11
